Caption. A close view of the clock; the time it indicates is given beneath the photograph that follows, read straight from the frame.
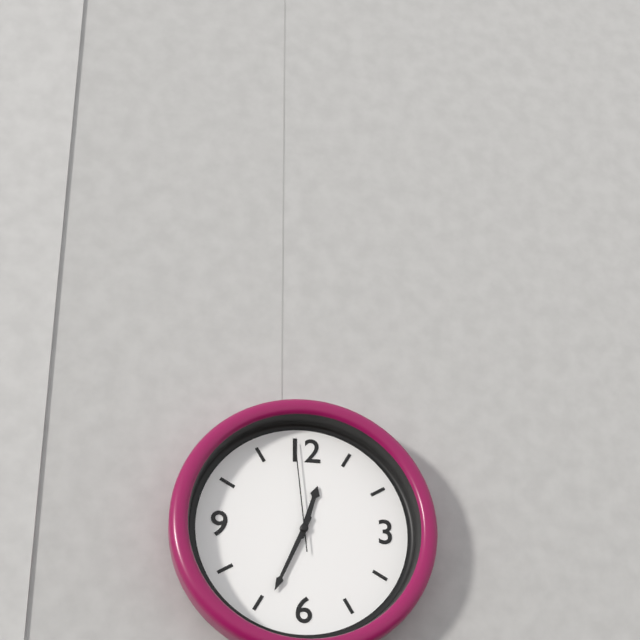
12:34:59
